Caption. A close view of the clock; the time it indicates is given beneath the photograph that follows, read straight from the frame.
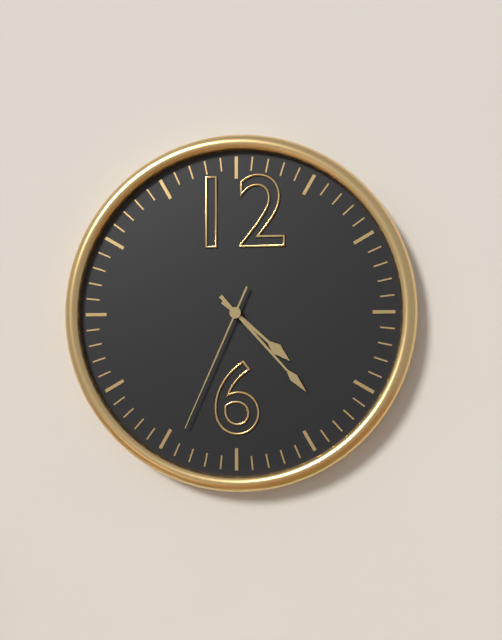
4:23:34
